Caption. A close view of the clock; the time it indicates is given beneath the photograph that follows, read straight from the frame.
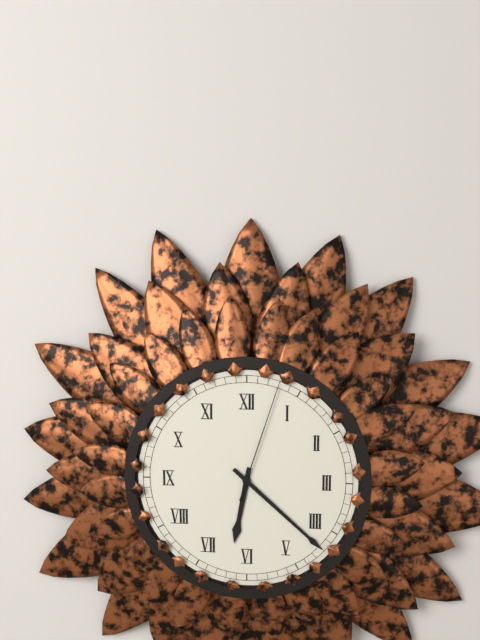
6:22:03
